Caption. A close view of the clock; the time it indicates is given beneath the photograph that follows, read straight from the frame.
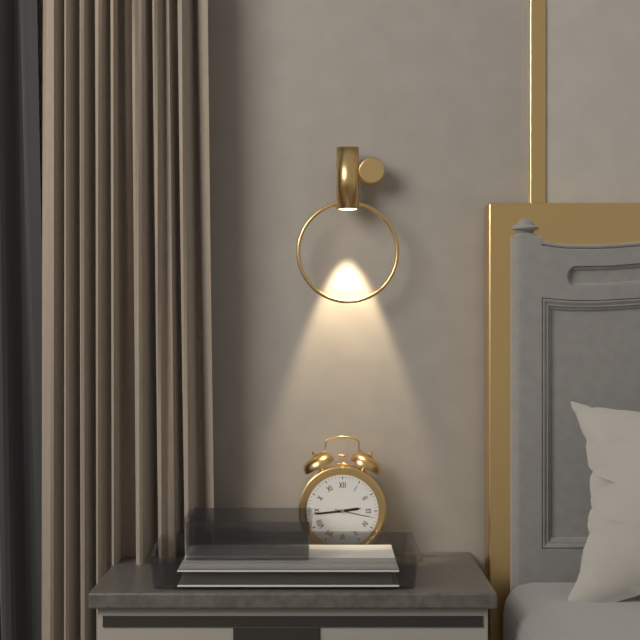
2:44
